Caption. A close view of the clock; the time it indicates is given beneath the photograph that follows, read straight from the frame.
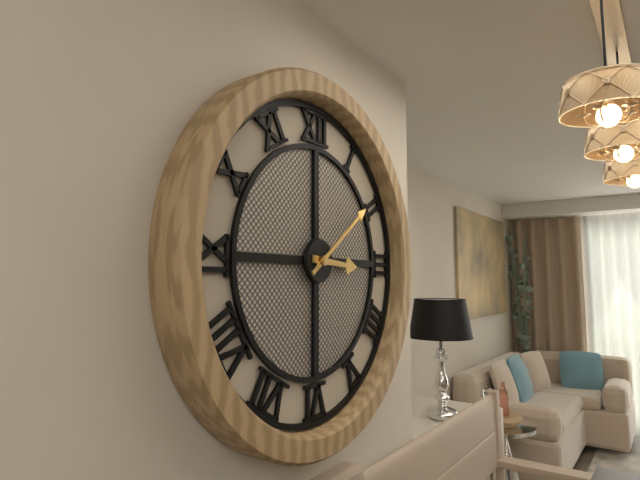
3:09
